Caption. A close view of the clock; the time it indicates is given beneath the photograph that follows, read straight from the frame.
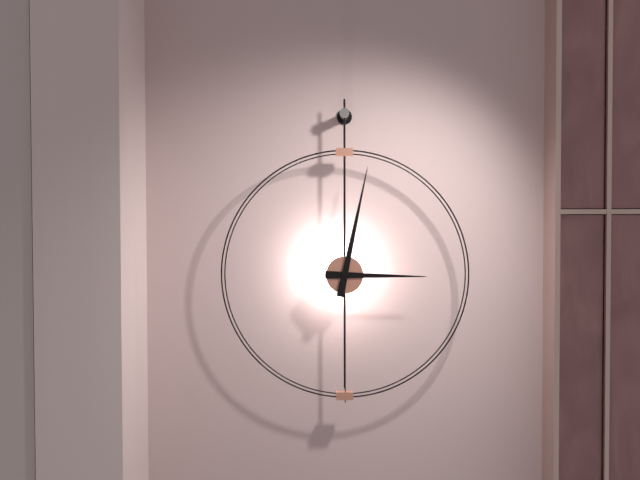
3:02
